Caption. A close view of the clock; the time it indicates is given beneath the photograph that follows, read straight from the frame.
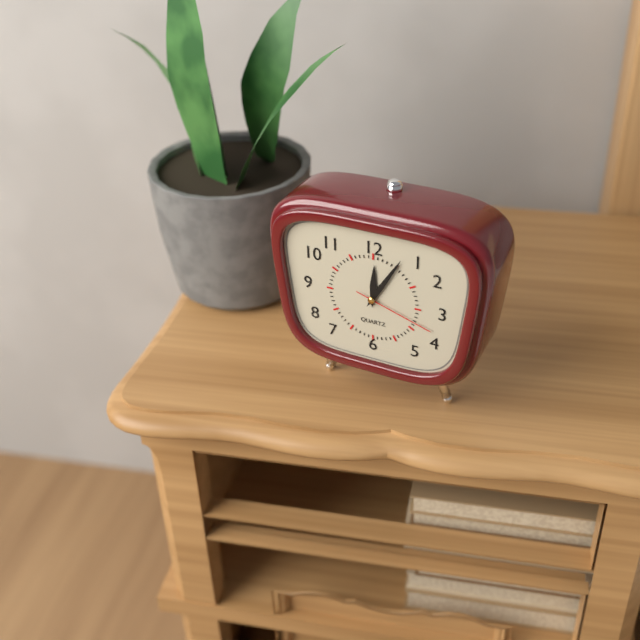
12:05:18
